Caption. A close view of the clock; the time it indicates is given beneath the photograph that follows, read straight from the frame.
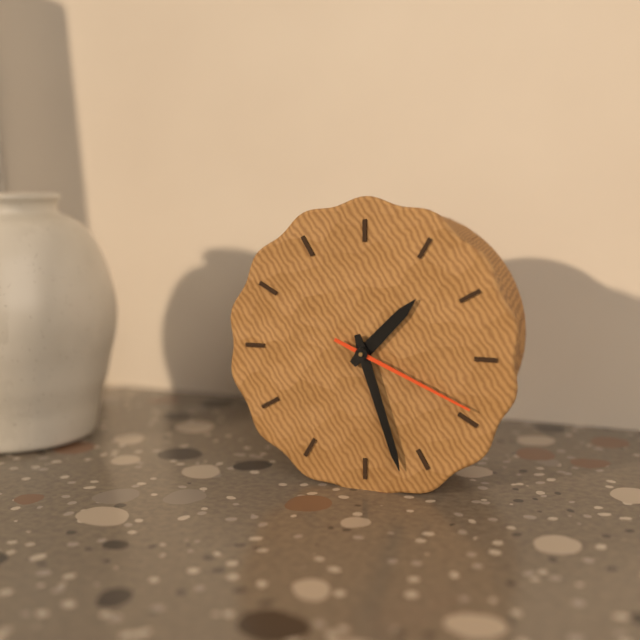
1:27:19
